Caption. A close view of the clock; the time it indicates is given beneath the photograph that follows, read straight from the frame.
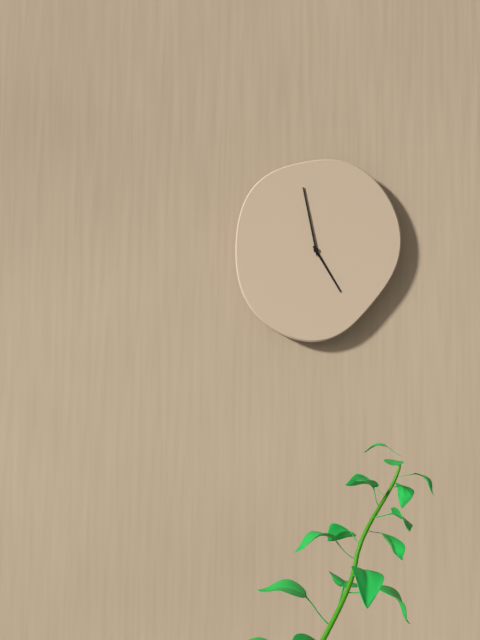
4:58
